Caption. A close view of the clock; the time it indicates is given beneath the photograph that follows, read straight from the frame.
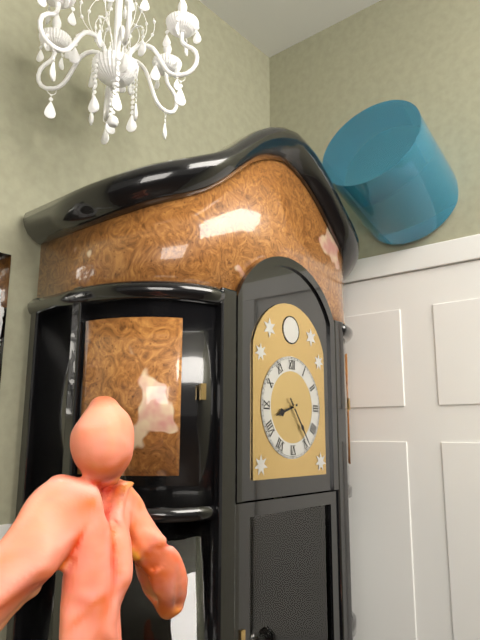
8:24
